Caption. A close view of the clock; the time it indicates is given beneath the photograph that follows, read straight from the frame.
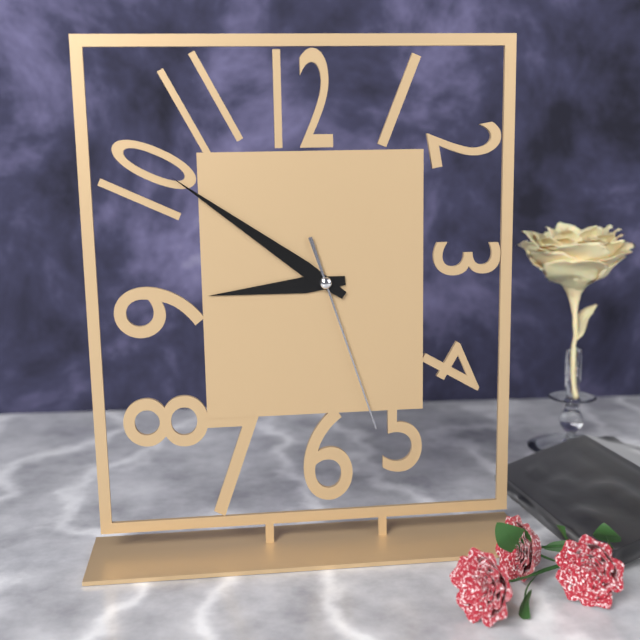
8:51:27
